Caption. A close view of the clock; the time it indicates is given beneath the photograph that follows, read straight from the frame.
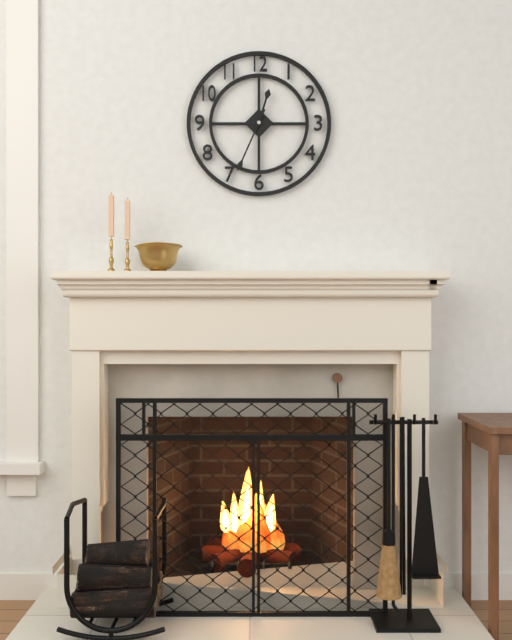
12:34
